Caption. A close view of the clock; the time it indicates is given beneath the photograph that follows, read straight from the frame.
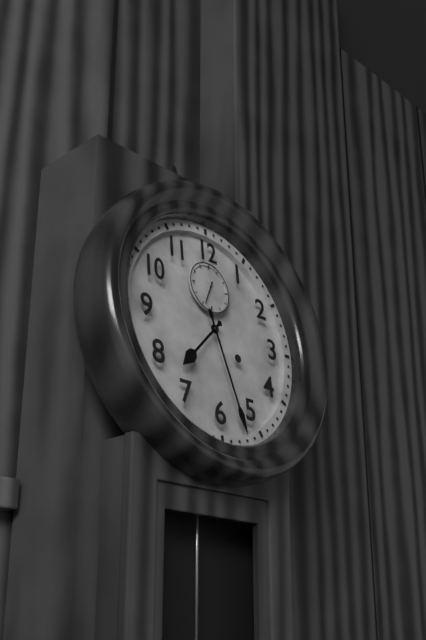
7:27
